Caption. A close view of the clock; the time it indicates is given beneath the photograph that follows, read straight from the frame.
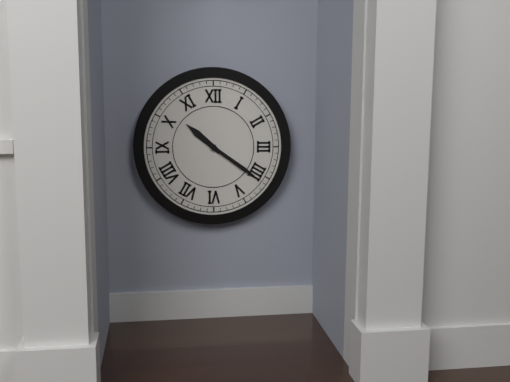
10:21
